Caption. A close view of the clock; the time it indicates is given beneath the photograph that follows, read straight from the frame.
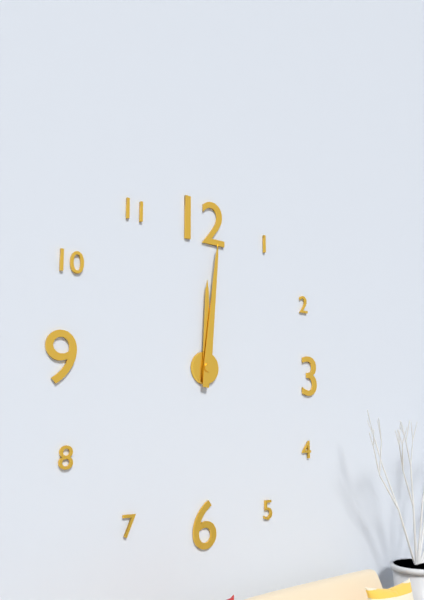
12:01
